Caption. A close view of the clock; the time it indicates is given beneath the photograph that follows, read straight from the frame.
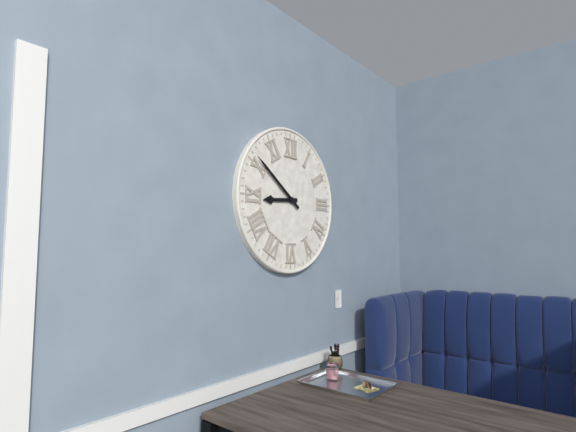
8:51
